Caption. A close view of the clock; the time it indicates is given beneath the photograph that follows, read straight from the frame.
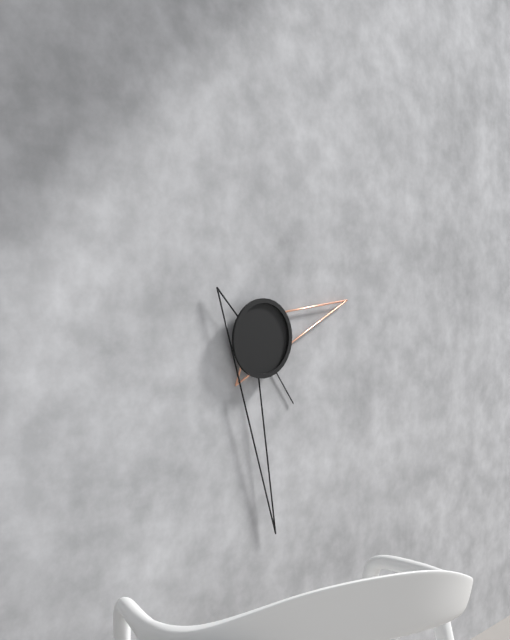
2:29:24
